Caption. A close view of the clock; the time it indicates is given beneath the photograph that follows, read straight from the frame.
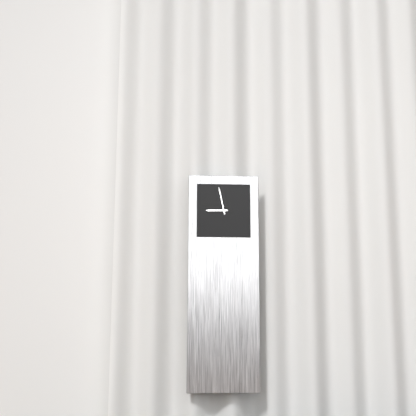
8:58
